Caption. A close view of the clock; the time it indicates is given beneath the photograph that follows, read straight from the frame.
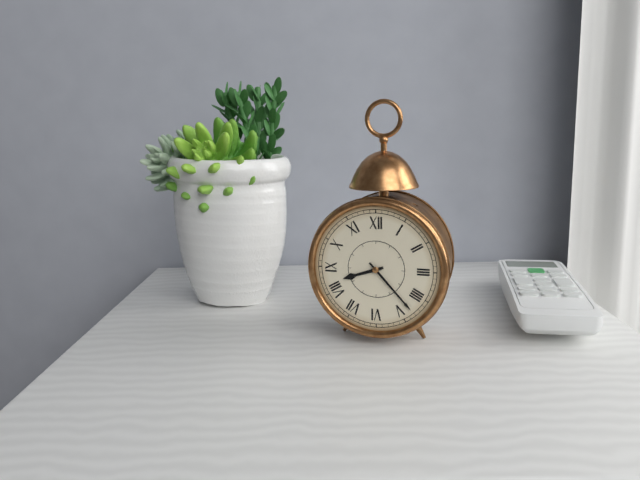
8:23
